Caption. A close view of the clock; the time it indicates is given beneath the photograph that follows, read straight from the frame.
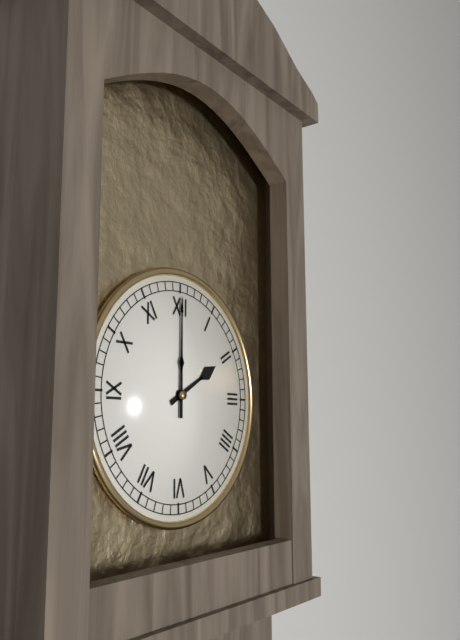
2:00
